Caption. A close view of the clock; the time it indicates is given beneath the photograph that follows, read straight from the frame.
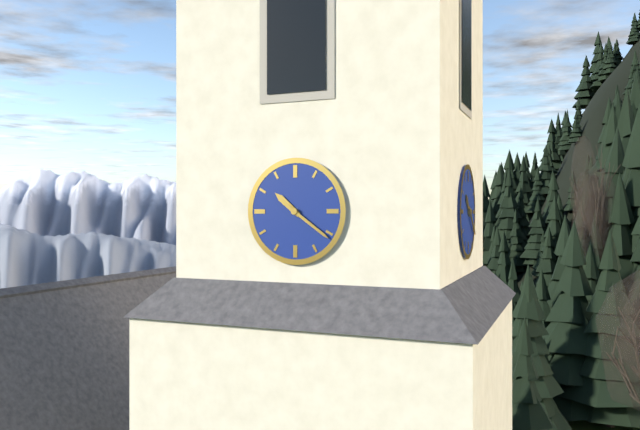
10:21
